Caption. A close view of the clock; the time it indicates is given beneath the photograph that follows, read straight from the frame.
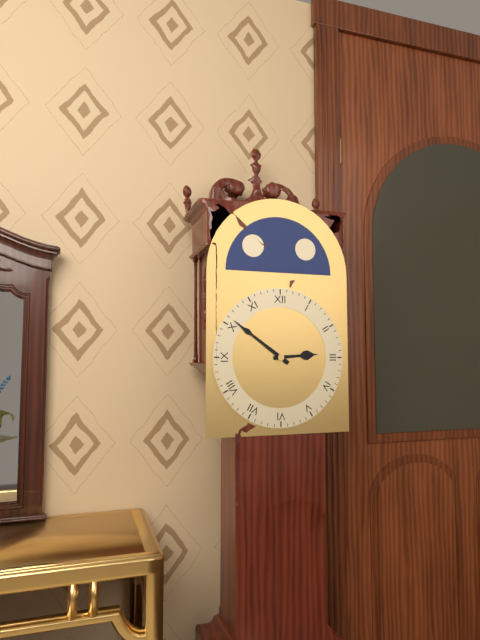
2:51
